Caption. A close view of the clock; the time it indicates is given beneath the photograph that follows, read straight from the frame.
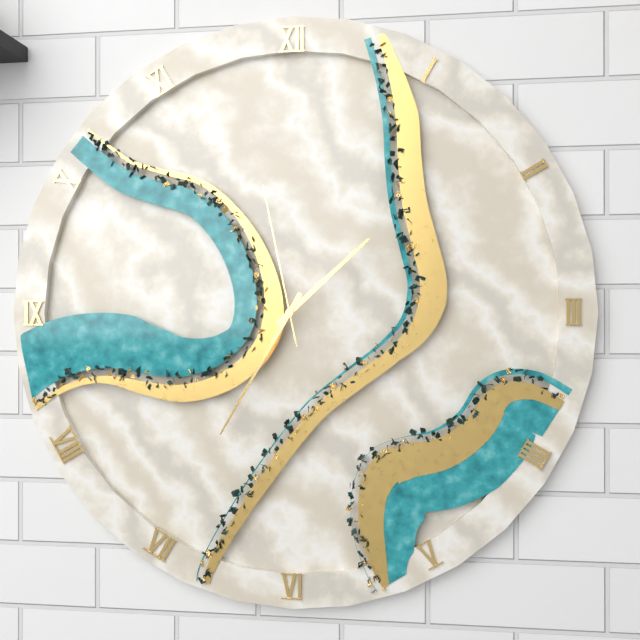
1:35:58
